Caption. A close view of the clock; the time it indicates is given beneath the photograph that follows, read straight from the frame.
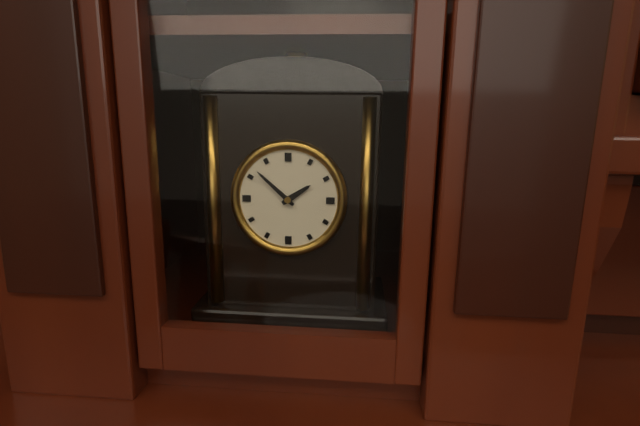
1:52
